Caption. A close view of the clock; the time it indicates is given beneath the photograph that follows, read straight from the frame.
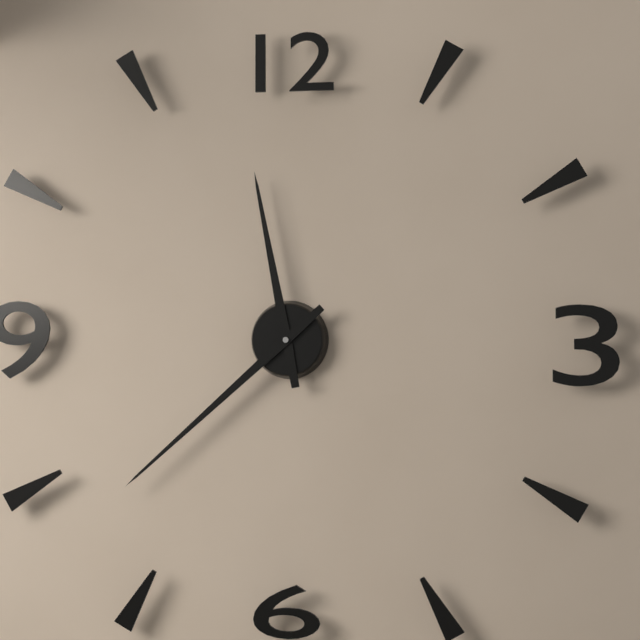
11:38
